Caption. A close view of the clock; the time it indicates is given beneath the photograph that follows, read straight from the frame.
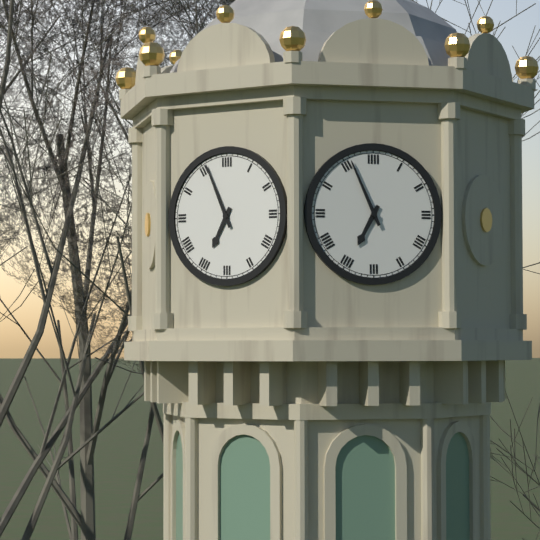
6:56
